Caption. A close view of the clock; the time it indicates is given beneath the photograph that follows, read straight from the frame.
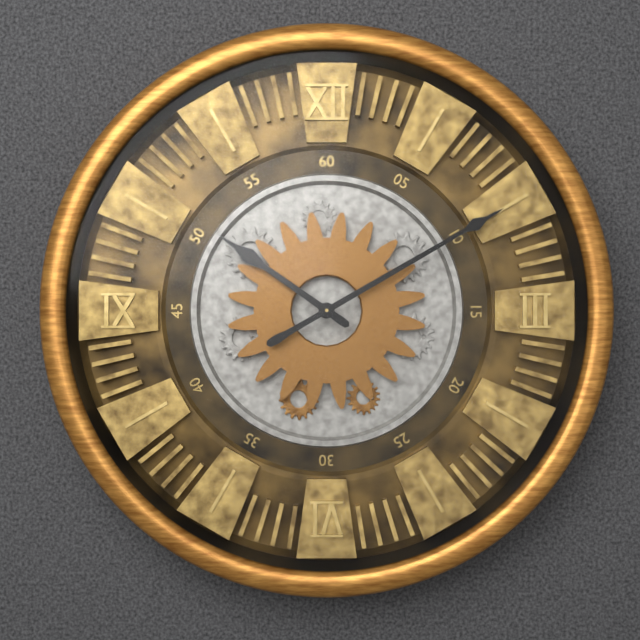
10:10
